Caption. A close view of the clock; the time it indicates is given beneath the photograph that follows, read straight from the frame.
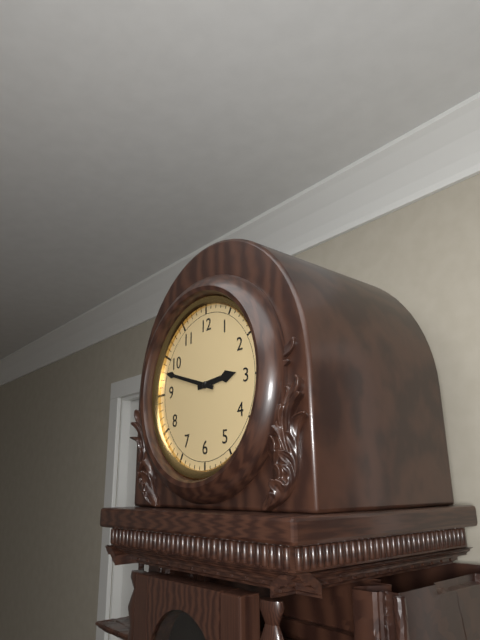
2:48
